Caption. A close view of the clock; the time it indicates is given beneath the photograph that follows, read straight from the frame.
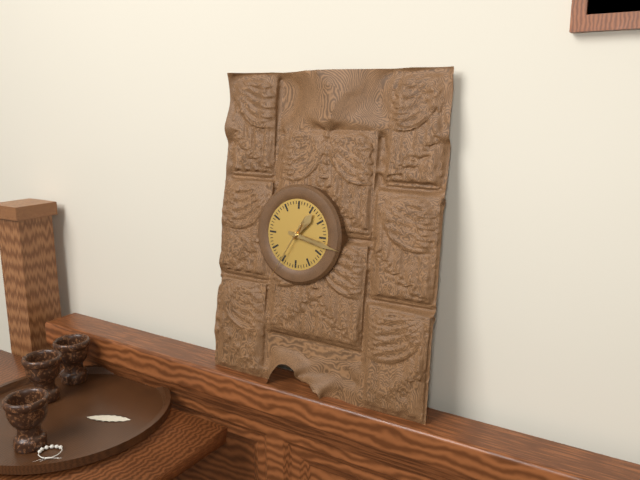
1:17:35
